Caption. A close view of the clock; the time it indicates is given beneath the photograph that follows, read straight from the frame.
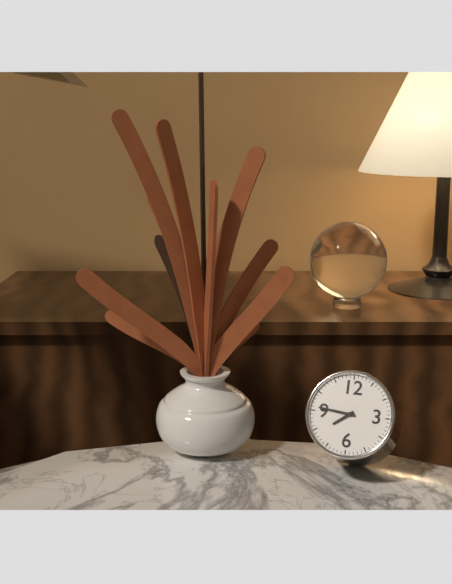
7:46
